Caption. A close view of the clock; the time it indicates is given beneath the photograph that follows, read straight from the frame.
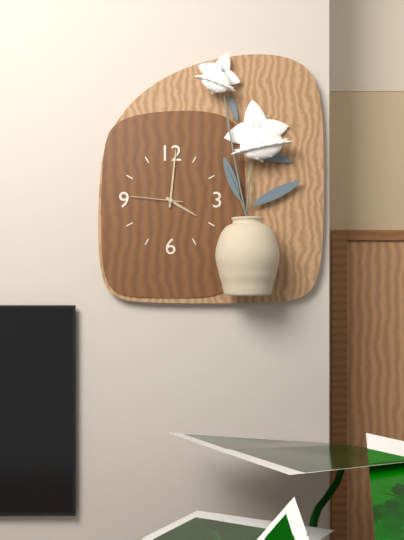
4:01:46
